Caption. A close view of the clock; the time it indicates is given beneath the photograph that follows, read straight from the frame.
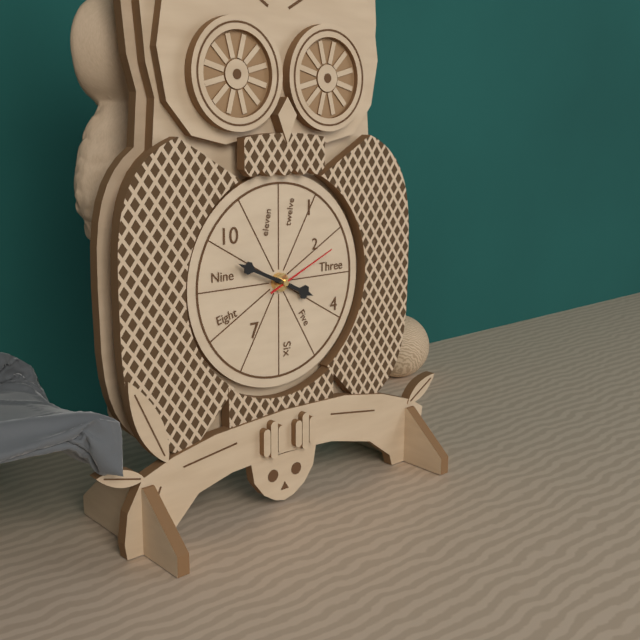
3:49:11
